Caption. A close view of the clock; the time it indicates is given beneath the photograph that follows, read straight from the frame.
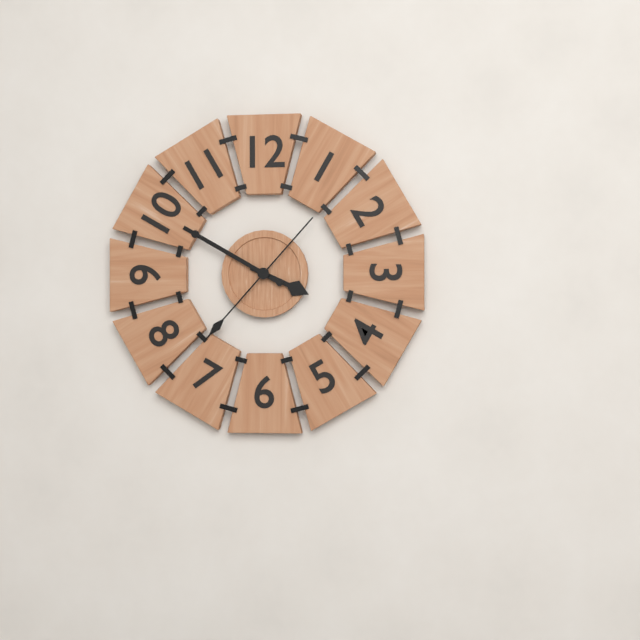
3:50:37
